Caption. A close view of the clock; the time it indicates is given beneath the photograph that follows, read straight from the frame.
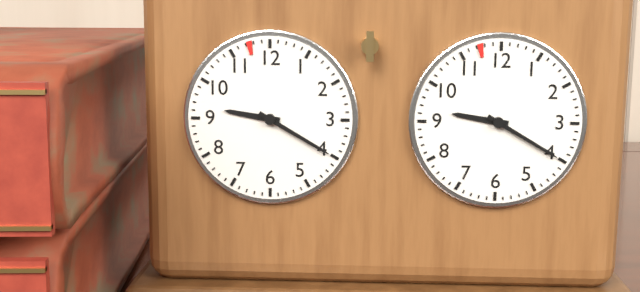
9:20
